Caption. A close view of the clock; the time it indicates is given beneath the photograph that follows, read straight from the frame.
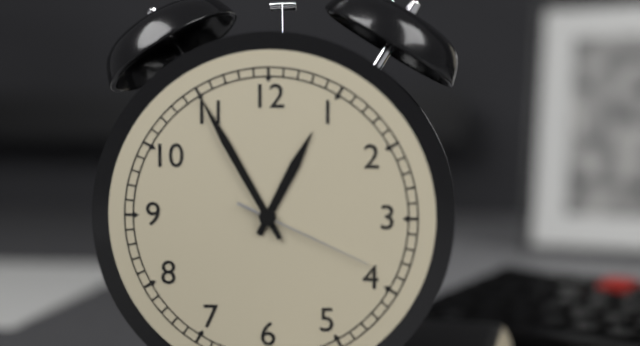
12:55:19
